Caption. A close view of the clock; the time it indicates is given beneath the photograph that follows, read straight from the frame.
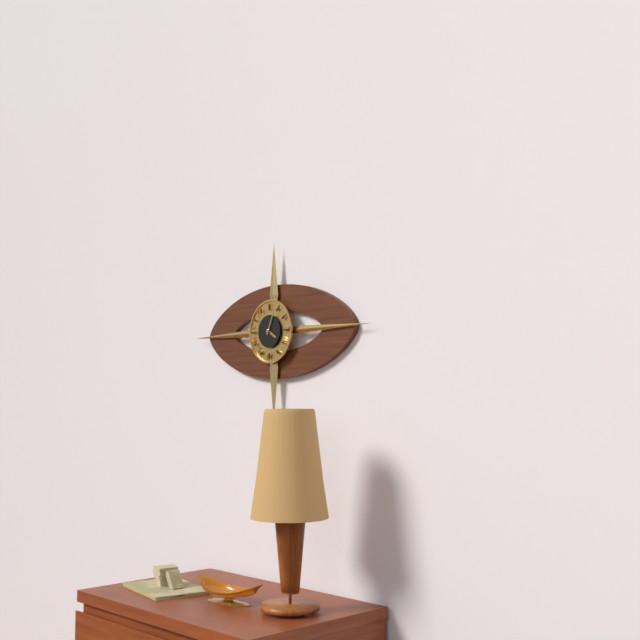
4:04
